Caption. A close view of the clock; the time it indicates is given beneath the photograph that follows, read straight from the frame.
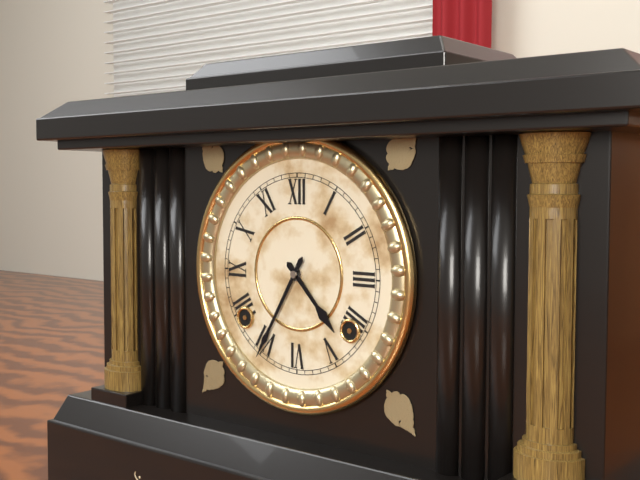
4:35
